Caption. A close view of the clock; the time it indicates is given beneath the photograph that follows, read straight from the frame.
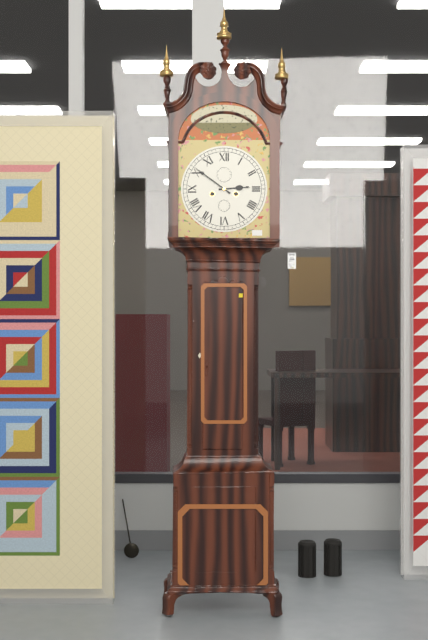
2:51
